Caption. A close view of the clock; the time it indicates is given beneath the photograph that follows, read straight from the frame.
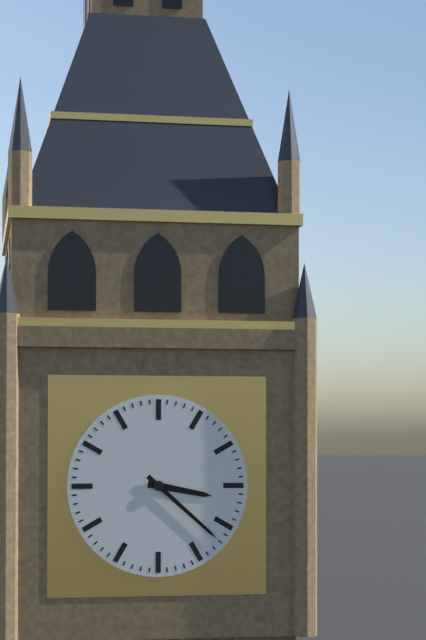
3:22
